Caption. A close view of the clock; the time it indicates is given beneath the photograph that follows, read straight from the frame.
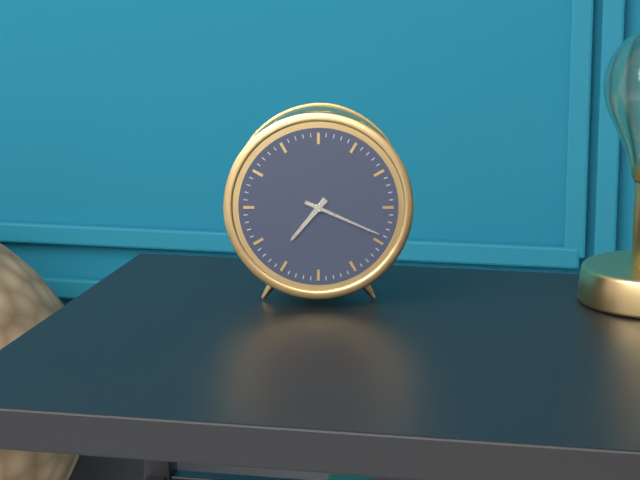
7:19
